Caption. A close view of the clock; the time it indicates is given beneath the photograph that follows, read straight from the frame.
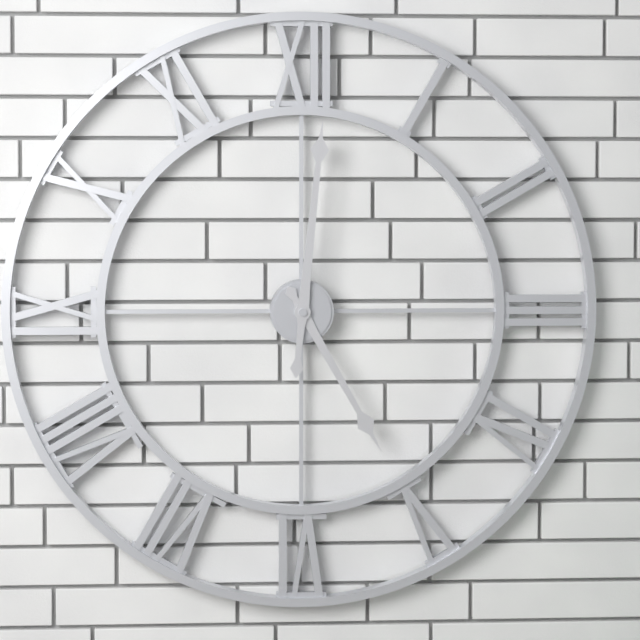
5:01
